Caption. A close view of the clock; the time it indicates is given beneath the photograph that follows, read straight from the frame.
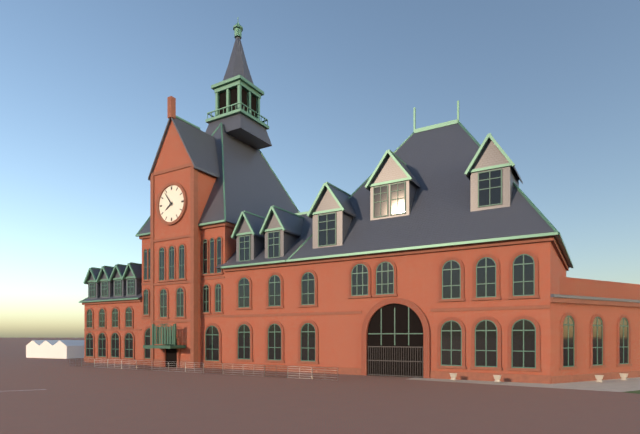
7:54
